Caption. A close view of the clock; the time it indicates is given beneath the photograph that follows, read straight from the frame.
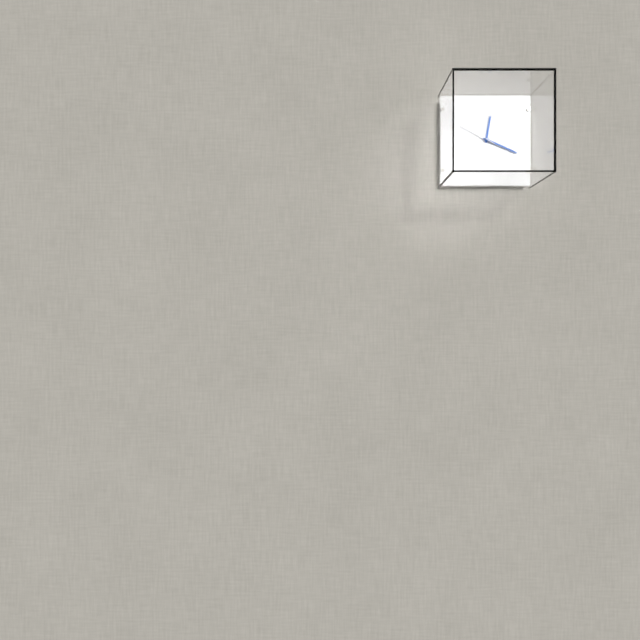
12:19
